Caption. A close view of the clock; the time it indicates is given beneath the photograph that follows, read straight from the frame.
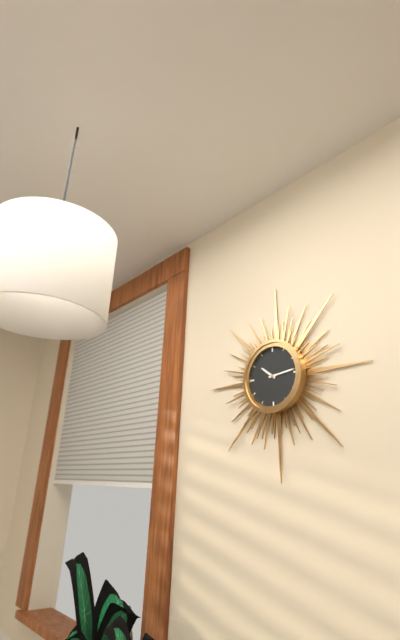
10:14
